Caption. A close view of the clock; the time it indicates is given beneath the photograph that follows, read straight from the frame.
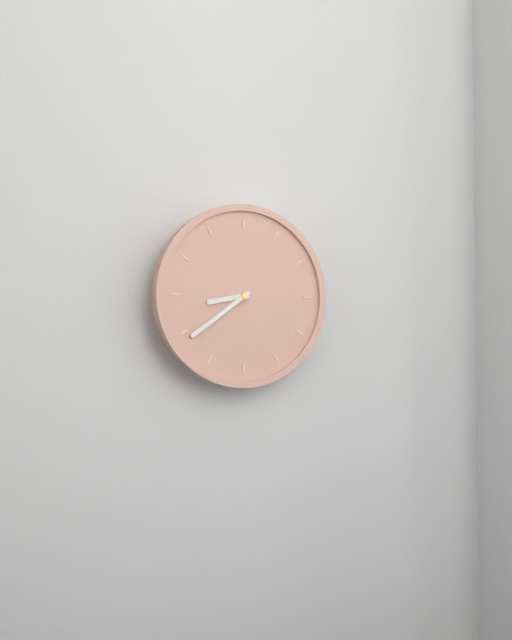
8:39
